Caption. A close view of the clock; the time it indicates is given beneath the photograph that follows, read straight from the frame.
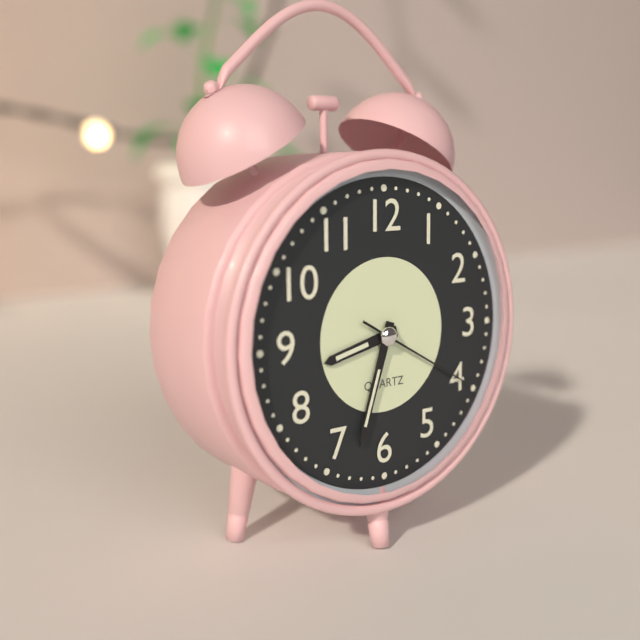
8:33:20
